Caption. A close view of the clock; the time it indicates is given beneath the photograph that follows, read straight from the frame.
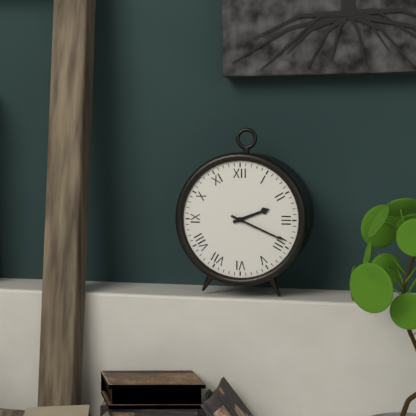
2:19
